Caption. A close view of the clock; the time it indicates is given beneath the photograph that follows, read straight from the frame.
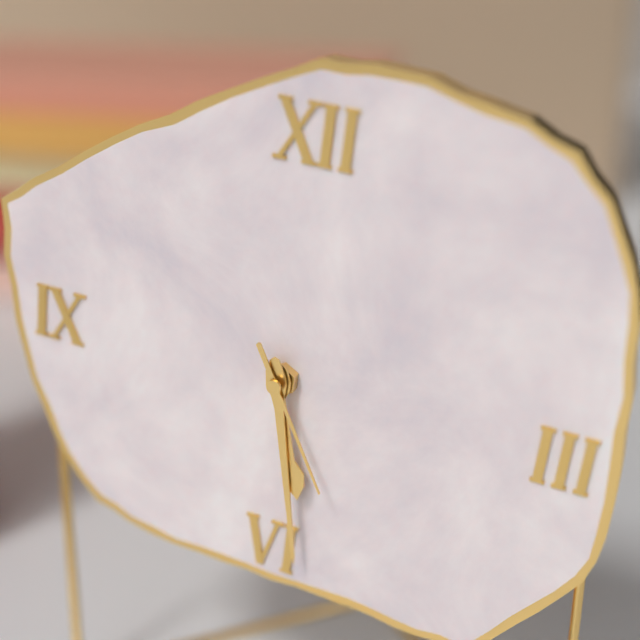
5:28:25
